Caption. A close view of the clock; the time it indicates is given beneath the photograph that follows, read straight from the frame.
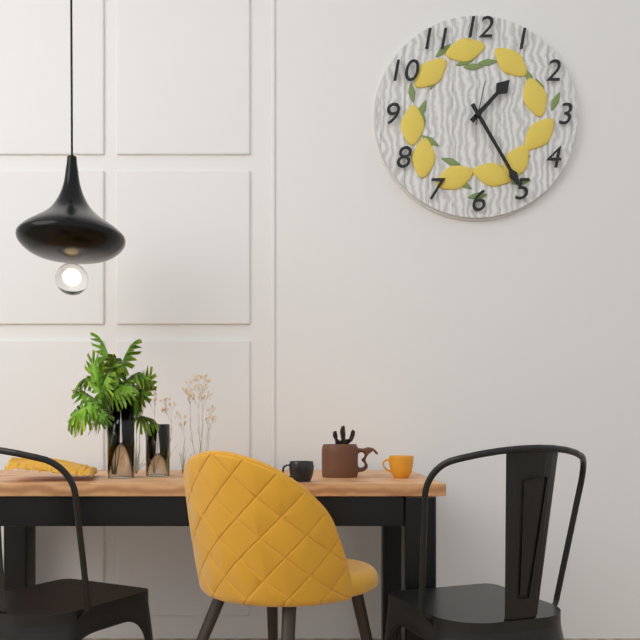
1:25
